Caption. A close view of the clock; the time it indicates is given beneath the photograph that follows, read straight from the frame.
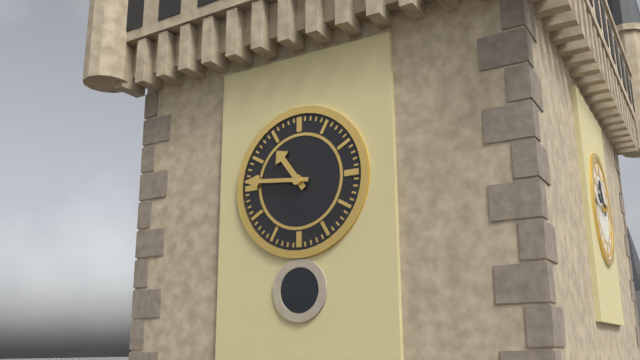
10:46
